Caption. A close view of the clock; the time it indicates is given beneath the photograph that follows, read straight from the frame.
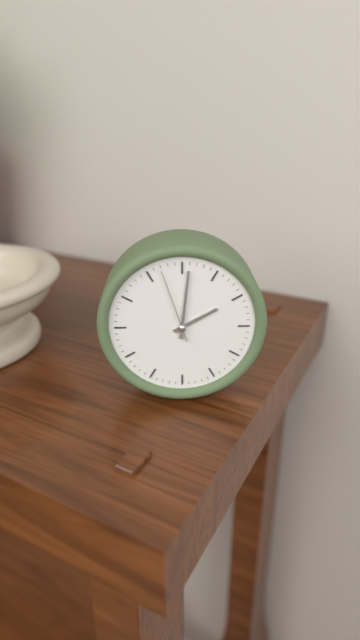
2:01:57
